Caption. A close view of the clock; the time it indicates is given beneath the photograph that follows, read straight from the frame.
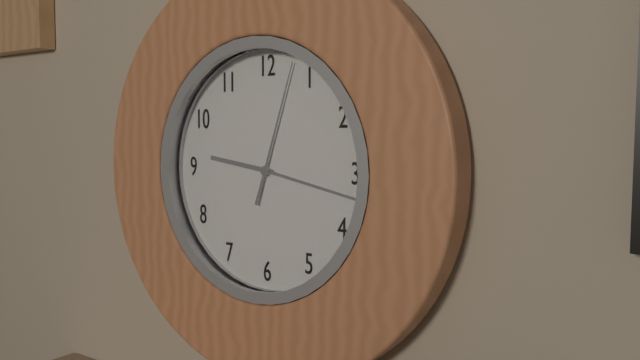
9:17:03
